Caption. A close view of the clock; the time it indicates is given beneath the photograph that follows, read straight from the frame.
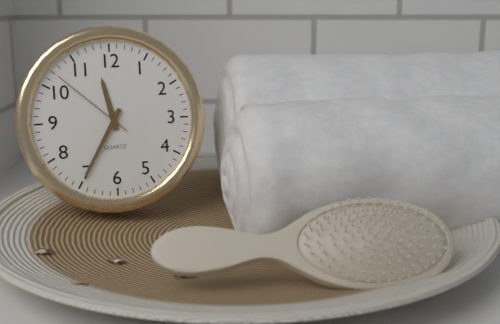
11:35:52
